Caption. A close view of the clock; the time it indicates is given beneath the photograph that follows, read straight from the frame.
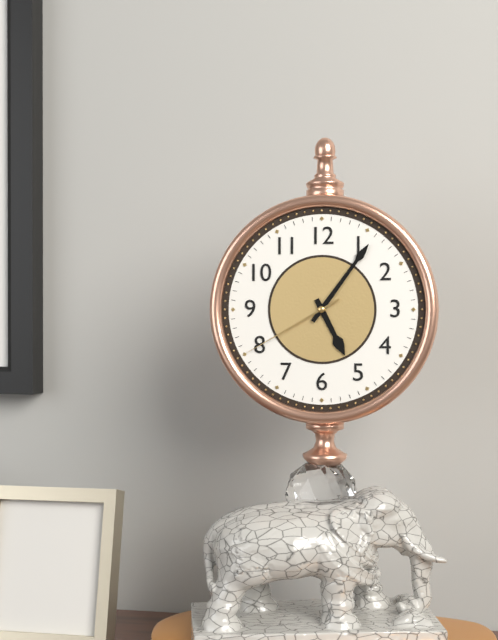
5:06:40
